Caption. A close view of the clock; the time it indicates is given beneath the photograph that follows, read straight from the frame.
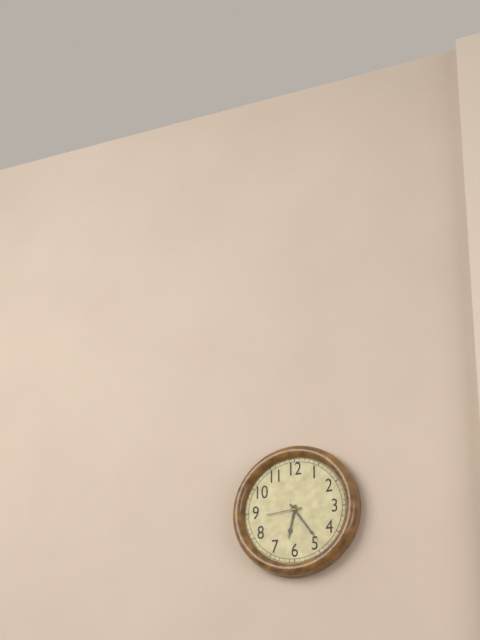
6:24
